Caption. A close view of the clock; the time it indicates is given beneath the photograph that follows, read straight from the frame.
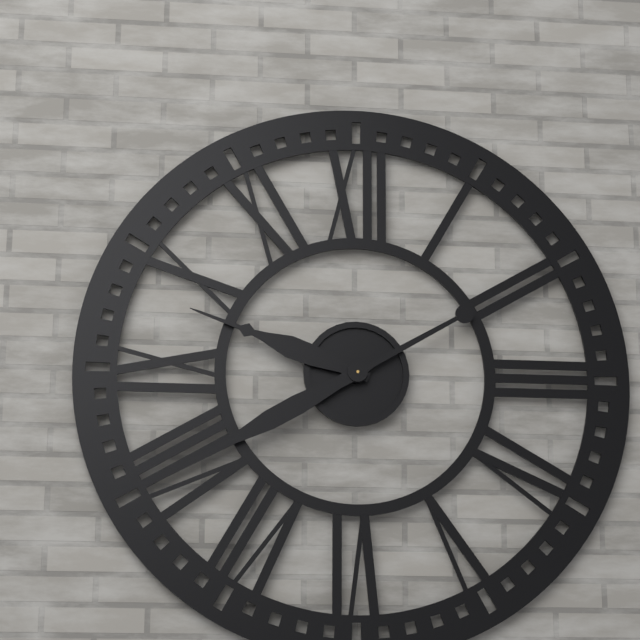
9:40
